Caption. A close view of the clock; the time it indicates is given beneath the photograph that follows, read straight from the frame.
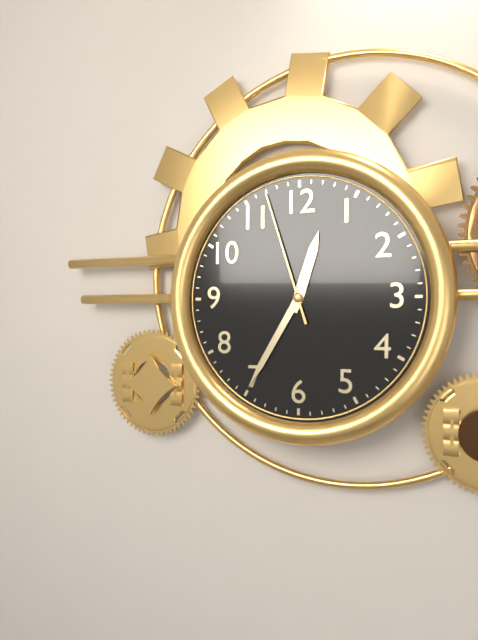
12:35:57
